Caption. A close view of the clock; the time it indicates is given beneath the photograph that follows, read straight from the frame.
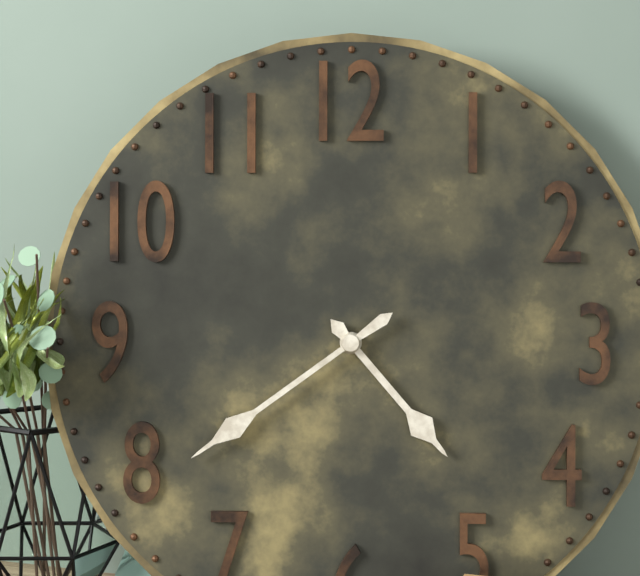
4:39
